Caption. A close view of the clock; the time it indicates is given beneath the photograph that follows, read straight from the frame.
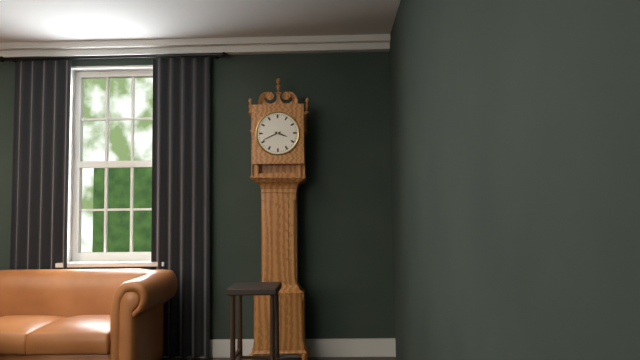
3:41
